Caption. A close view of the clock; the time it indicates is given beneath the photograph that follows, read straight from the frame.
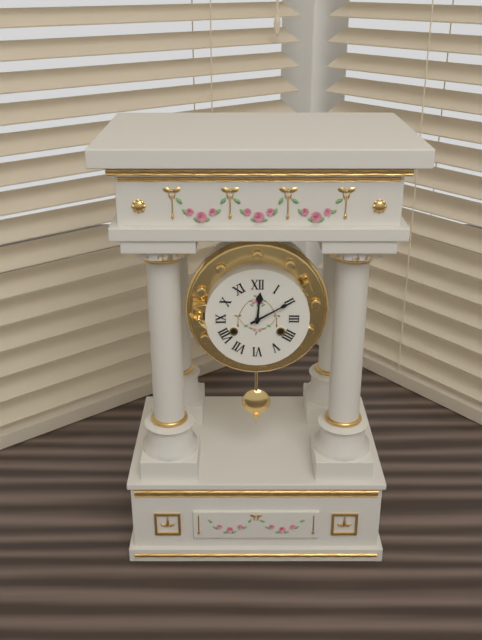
12:10
